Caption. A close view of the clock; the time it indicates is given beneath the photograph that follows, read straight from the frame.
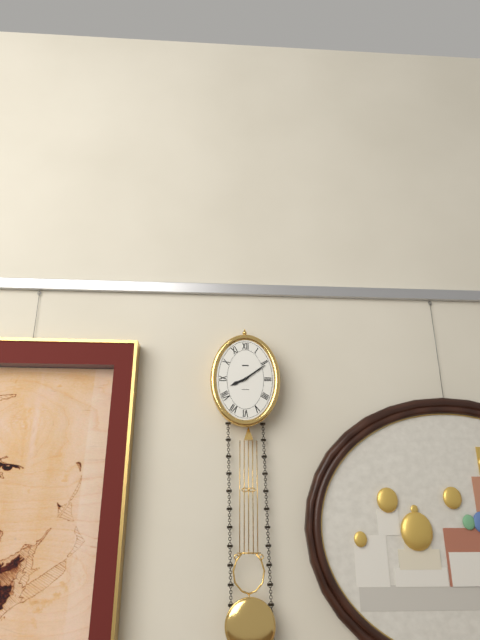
8:09
